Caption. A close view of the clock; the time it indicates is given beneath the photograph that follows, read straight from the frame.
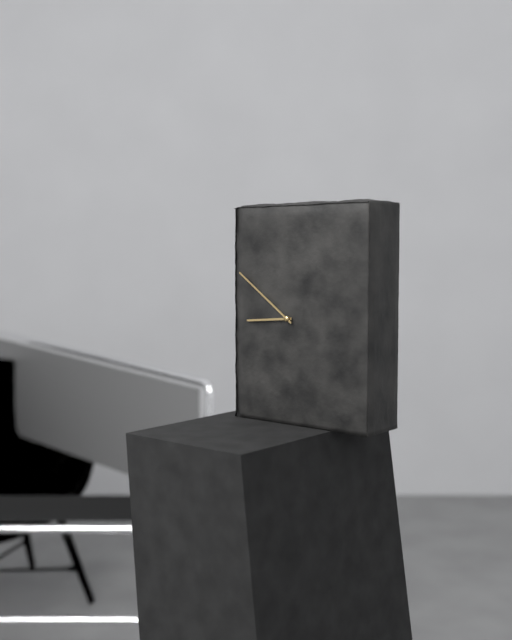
8:51
